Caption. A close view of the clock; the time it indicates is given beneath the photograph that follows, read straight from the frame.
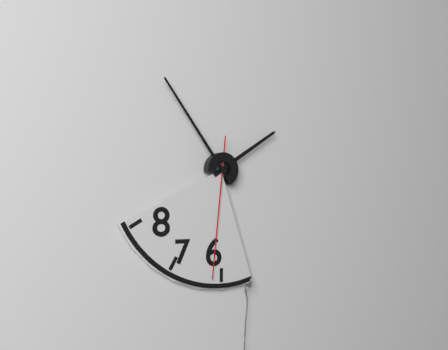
1:54:31
